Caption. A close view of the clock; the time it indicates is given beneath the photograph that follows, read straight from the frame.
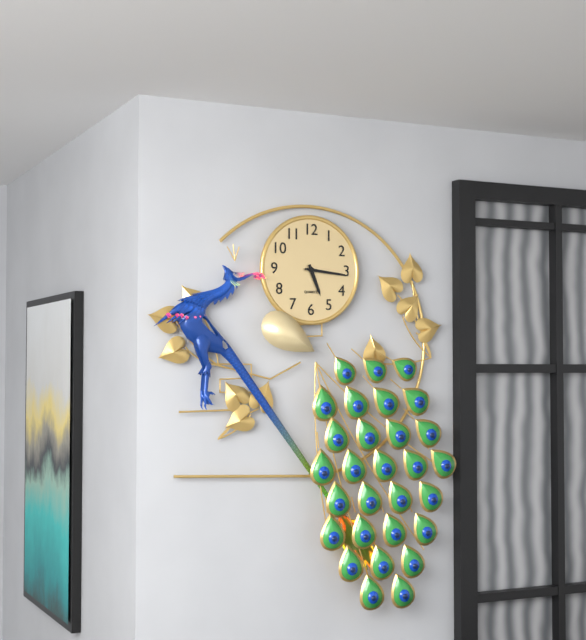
5:16
